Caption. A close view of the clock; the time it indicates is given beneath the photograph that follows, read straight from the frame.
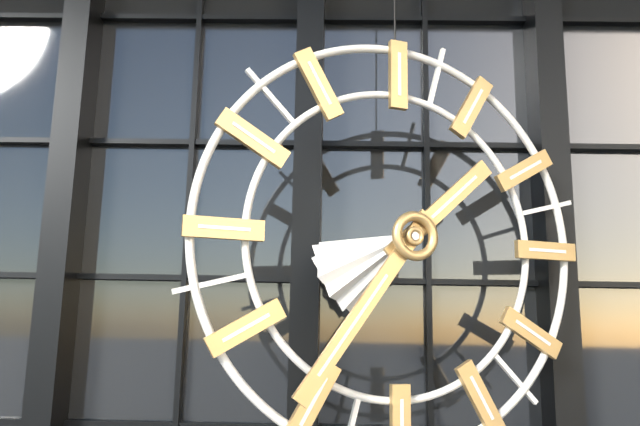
1:36
